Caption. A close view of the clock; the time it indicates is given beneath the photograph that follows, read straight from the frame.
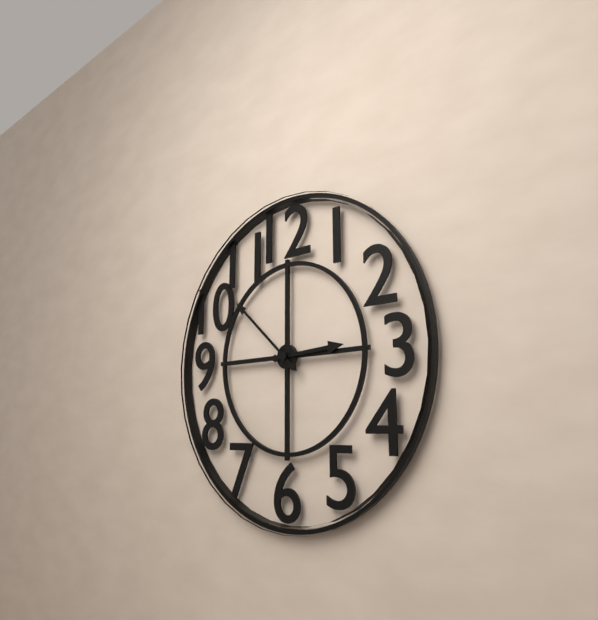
2:52
